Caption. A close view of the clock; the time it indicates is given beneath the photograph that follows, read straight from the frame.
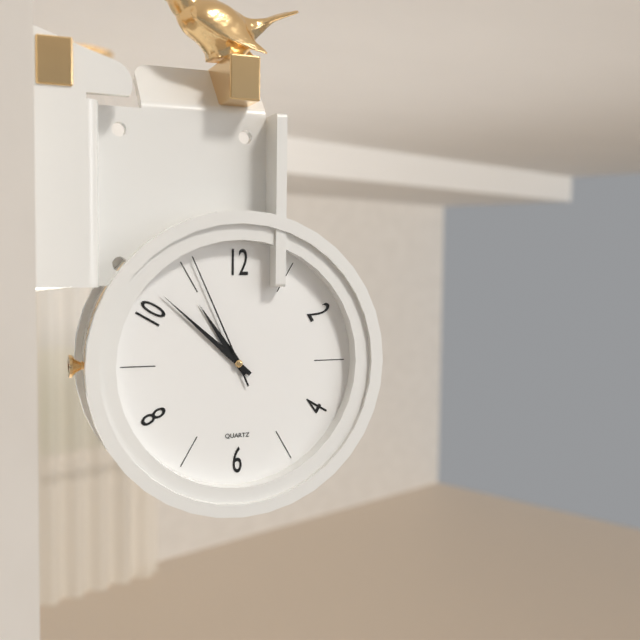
10:52:56
